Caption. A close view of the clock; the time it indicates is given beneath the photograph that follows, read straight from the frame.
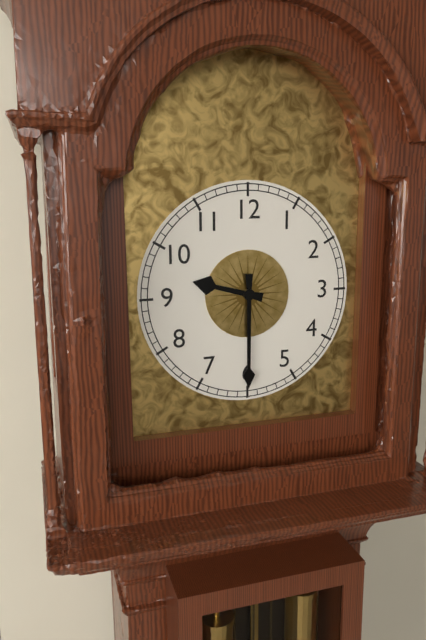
9:30
